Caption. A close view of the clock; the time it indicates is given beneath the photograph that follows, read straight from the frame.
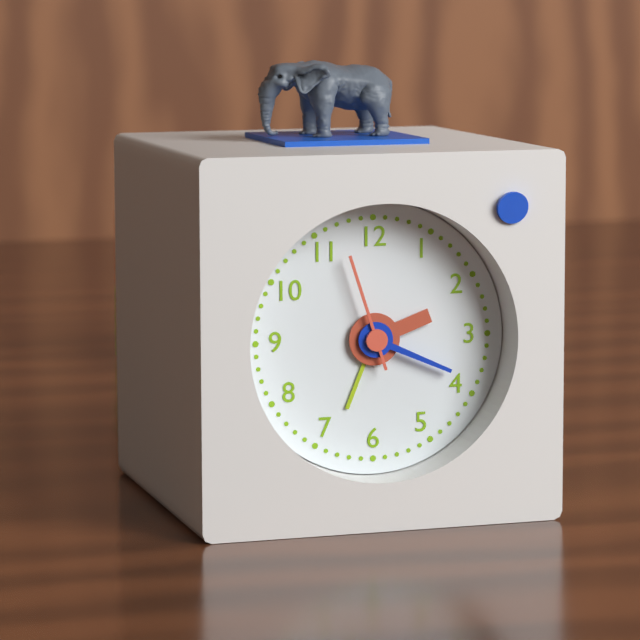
2:19:57
